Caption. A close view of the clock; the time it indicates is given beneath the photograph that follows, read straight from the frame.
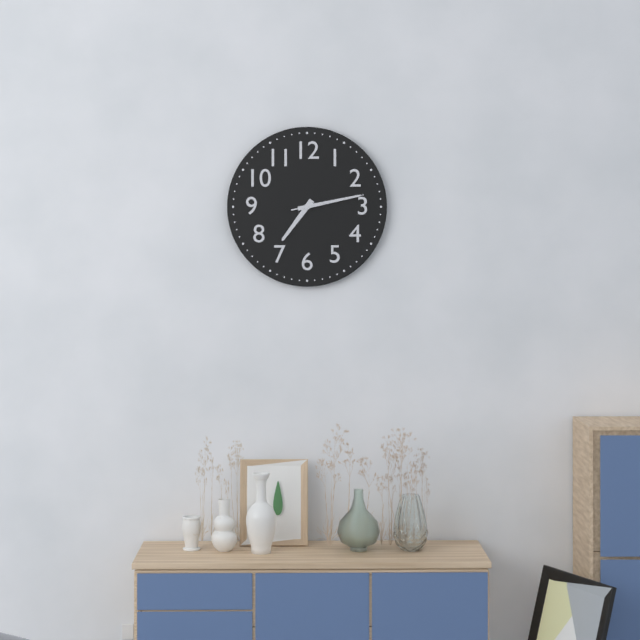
7:13:13
